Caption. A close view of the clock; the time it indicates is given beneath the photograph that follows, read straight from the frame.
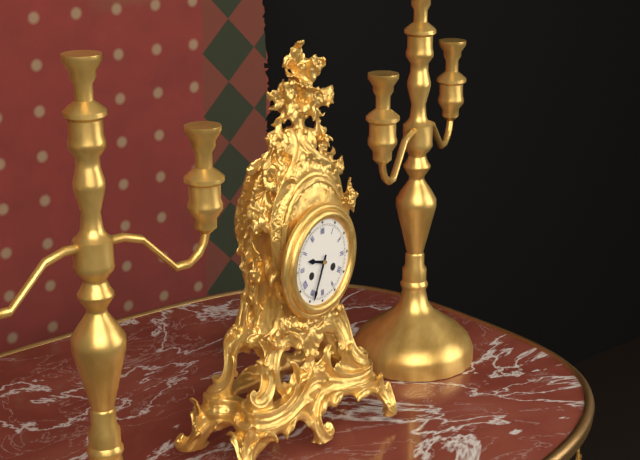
9:34
